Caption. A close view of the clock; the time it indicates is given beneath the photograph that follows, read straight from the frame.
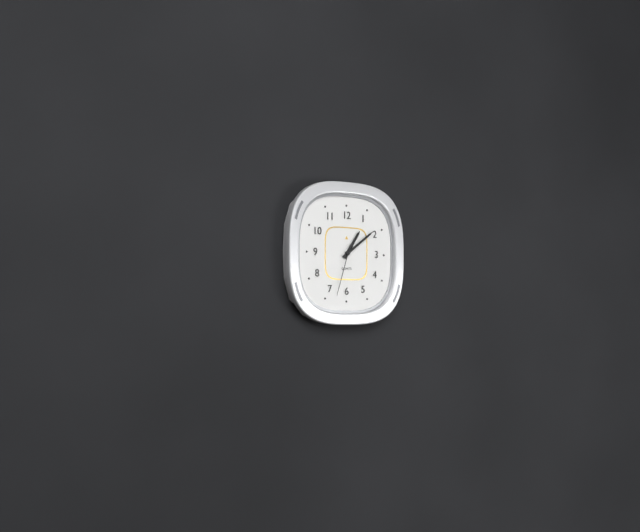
1:09:33
